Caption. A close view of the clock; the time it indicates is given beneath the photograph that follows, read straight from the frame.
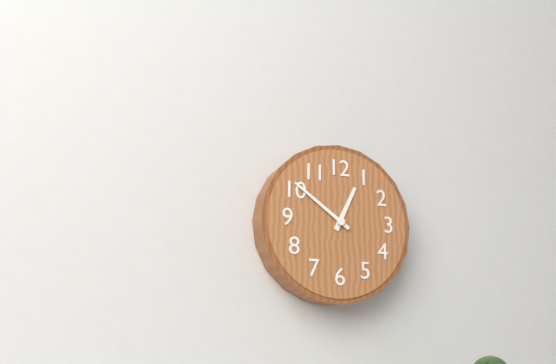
12:51
